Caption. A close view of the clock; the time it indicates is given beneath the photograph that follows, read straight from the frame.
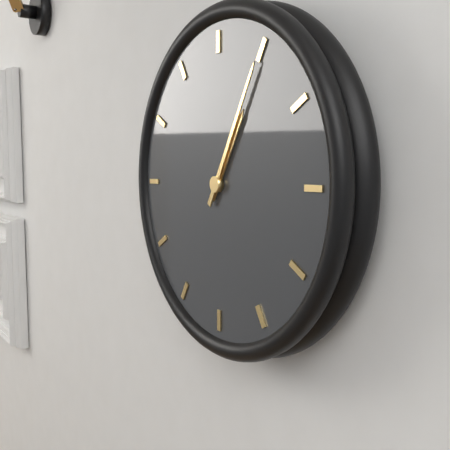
1:05
